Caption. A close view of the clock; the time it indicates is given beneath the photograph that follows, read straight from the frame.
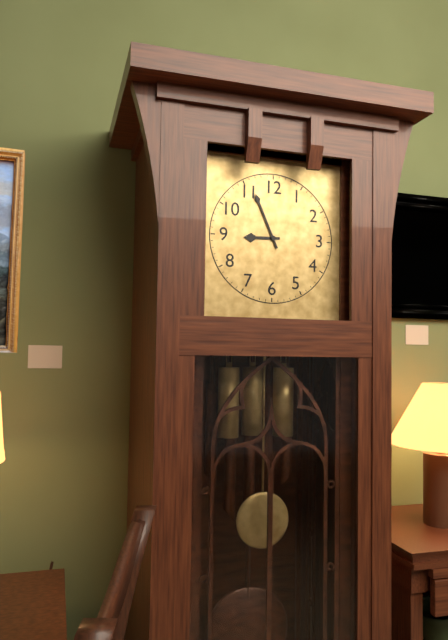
8:56
